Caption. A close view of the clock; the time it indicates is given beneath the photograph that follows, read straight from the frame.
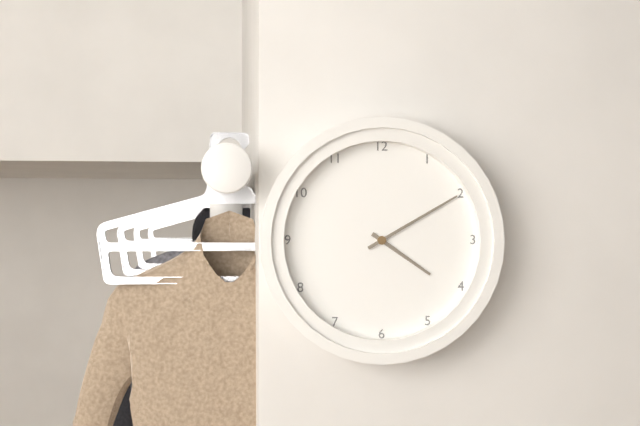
4:10
